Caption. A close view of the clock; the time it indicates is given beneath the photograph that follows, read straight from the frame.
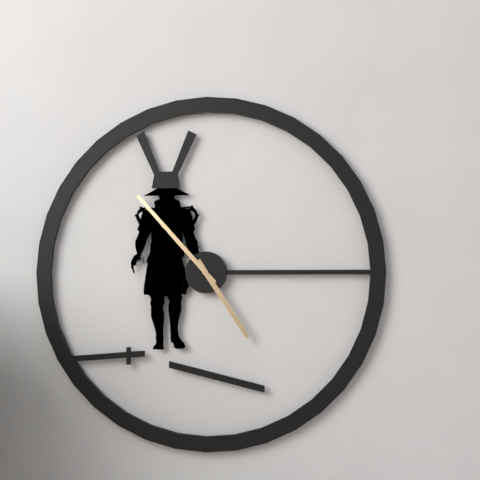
4:53
